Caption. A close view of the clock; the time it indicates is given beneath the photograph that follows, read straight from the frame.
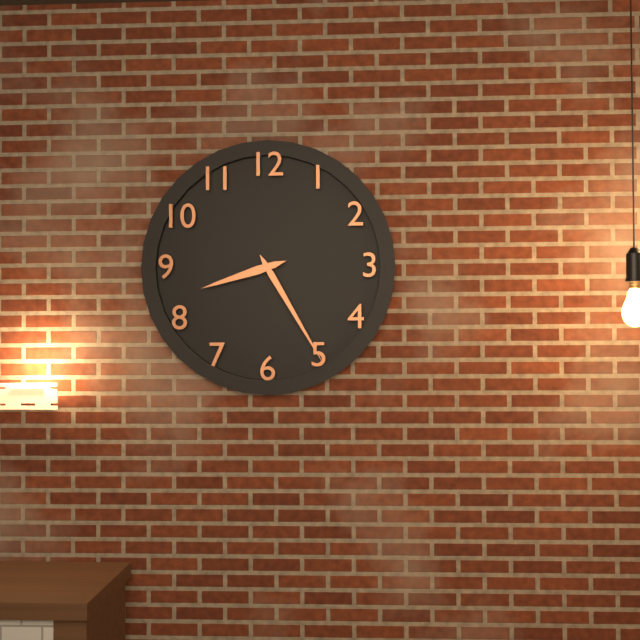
8:25
